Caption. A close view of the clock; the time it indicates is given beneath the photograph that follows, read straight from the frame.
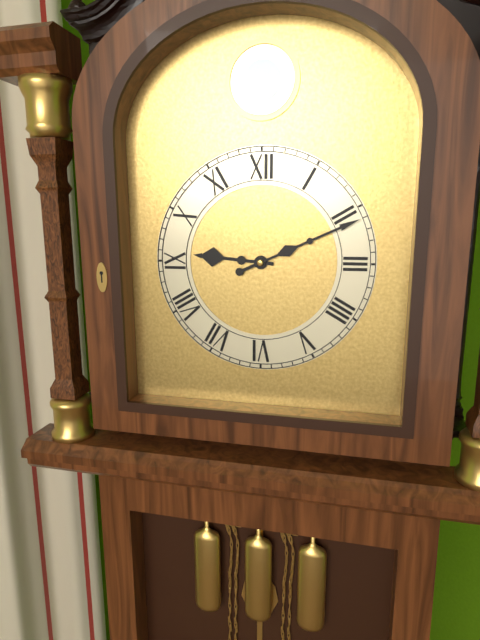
9:11
